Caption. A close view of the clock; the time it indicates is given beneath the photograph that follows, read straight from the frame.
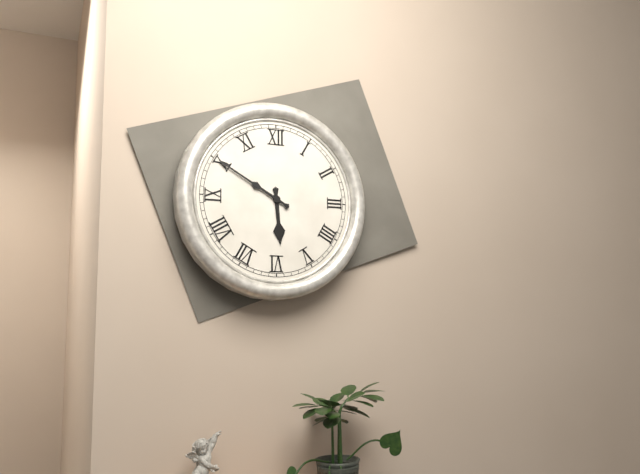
5:50
